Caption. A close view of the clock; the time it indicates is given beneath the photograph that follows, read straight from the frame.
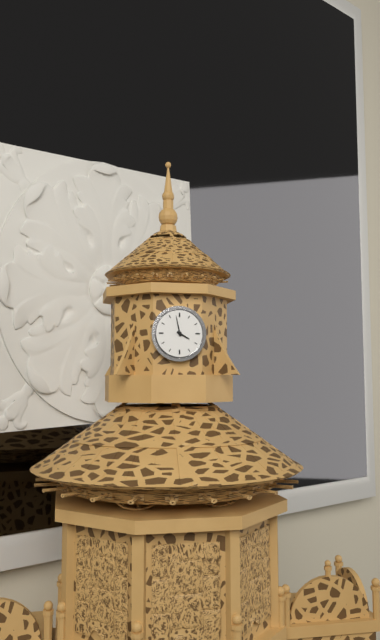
3:58
